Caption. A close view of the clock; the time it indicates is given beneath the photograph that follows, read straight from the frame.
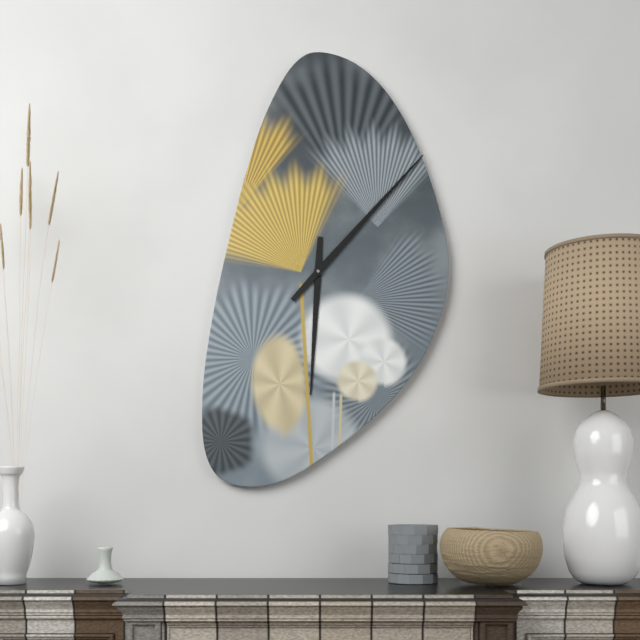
6:07
